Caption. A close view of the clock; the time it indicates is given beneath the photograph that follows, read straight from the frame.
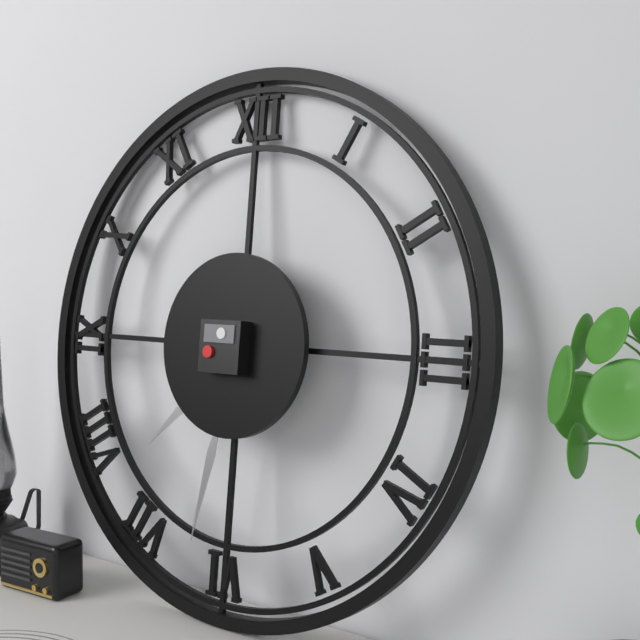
7:32
